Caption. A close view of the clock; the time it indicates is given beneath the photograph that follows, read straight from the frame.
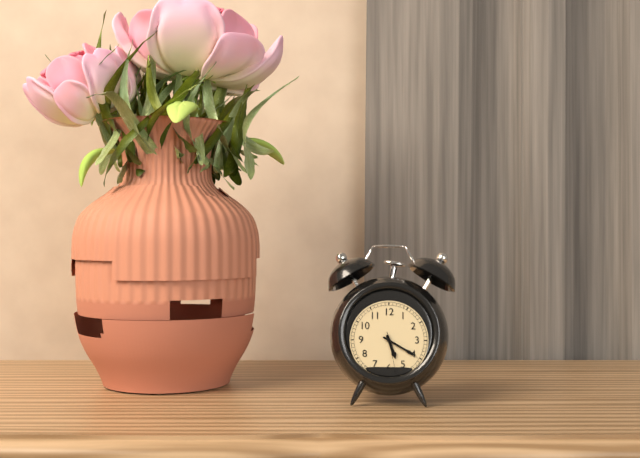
5:20
